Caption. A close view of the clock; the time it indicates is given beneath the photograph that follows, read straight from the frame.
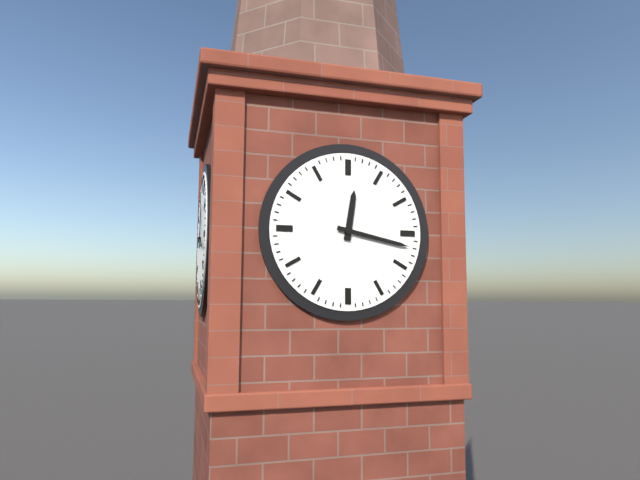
12:17
